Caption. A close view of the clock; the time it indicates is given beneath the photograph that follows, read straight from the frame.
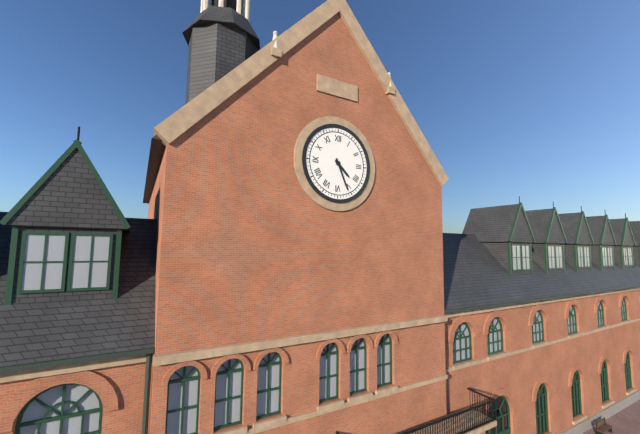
4:26
